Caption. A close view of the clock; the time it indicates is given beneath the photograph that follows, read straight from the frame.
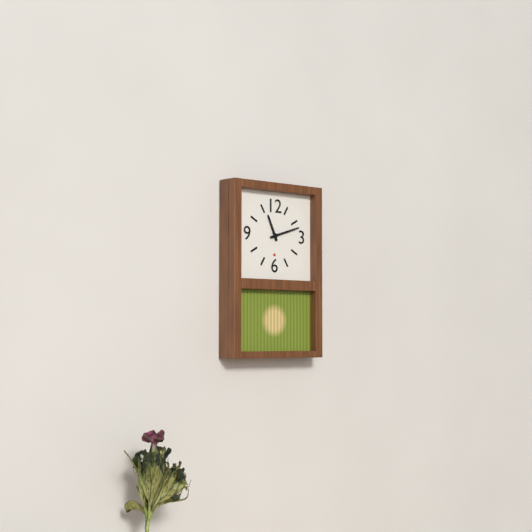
11:12
